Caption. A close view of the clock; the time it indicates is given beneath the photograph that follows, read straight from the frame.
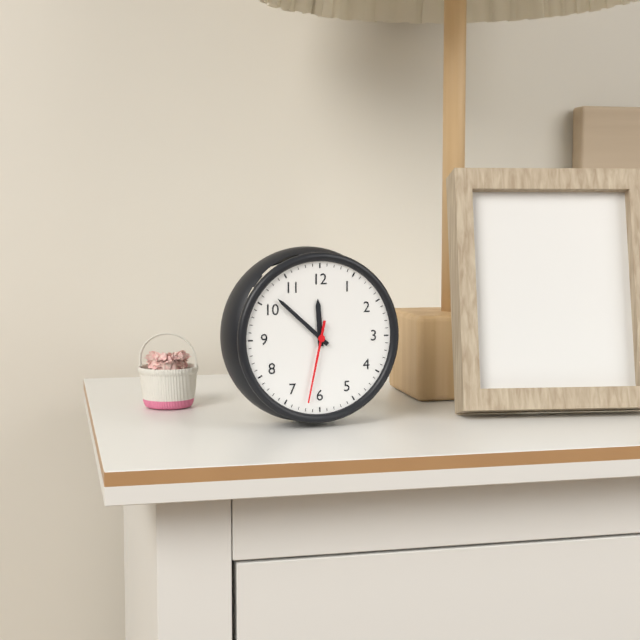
11:52:32
